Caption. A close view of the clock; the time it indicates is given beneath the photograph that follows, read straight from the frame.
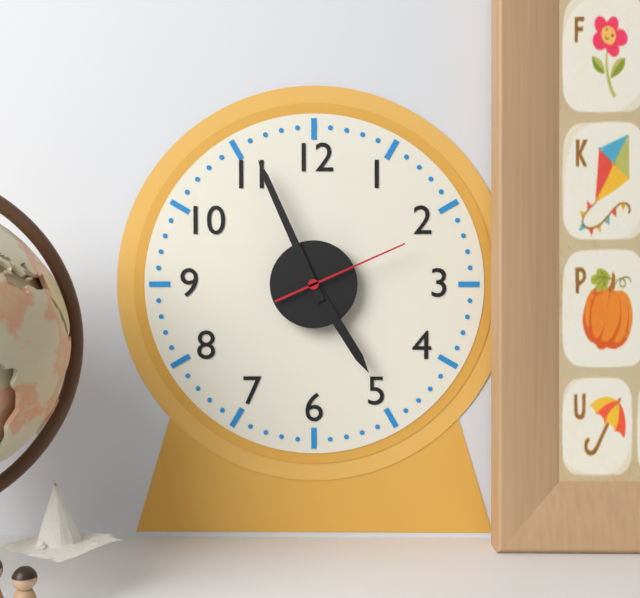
4:56:11
